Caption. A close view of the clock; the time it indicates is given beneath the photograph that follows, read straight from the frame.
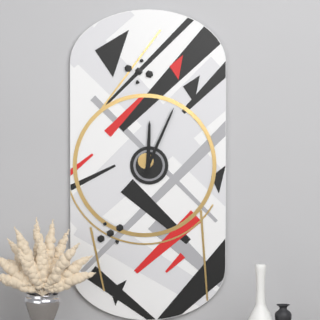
12:04
